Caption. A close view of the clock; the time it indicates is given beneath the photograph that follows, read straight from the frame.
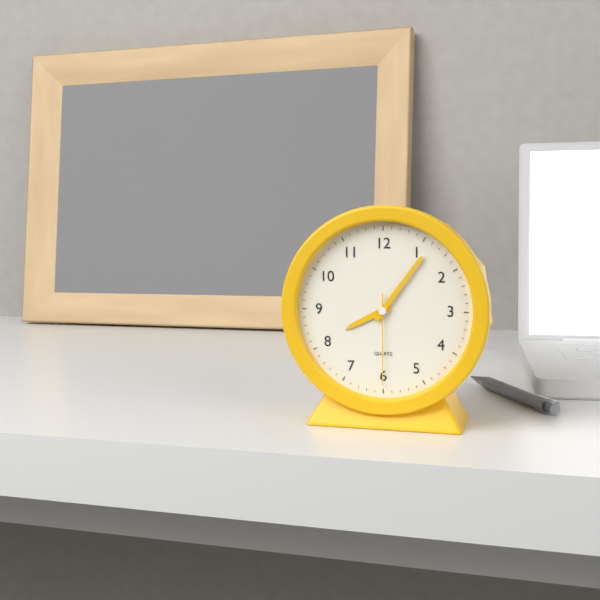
8:06:30
